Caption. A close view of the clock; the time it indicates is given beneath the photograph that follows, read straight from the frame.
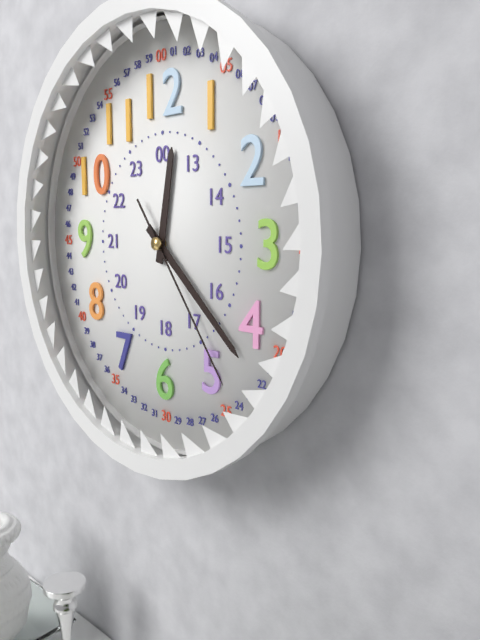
12:22:24
